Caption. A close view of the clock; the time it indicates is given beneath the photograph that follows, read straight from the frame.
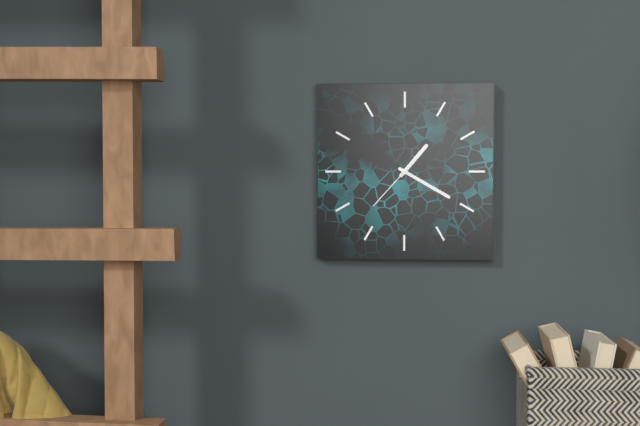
1:20:37
